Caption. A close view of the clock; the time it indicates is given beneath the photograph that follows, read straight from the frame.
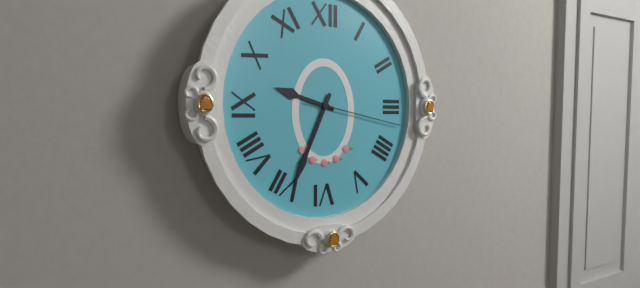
9:34:17
